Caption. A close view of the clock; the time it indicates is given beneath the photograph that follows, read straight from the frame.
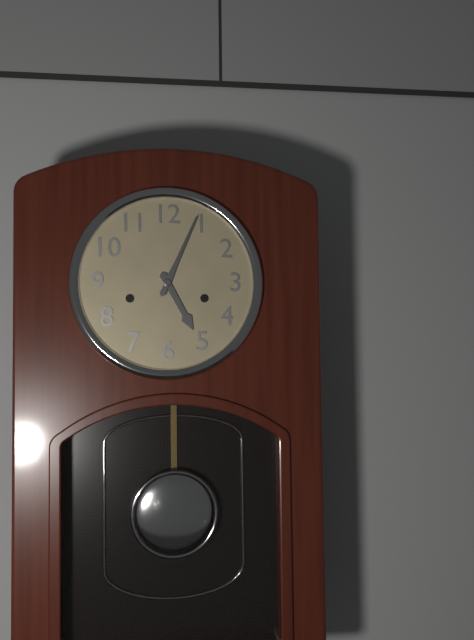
5:04
